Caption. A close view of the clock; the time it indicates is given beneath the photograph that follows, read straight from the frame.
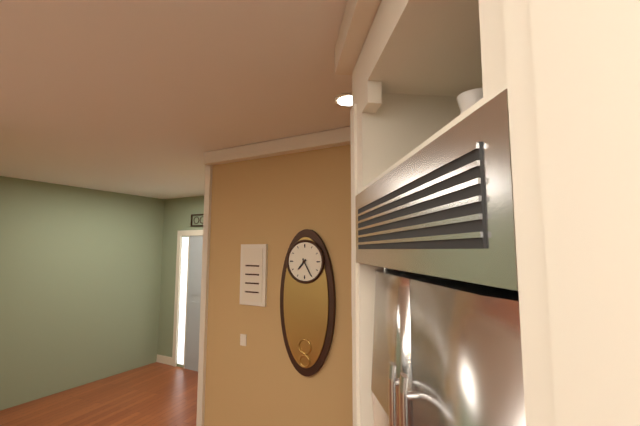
7:25
